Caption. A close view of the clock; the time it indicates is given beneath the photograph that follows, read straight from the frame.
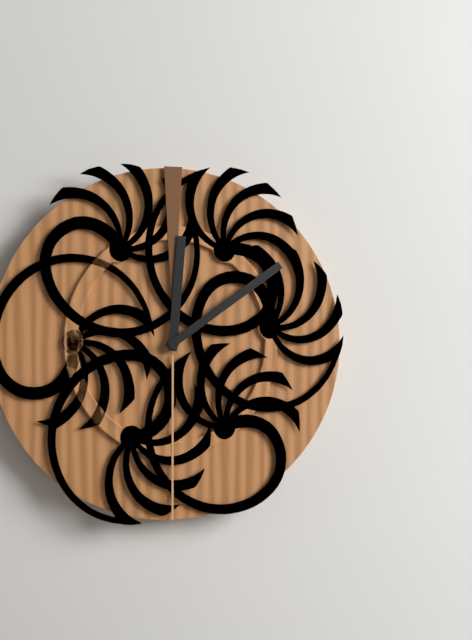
12:09
